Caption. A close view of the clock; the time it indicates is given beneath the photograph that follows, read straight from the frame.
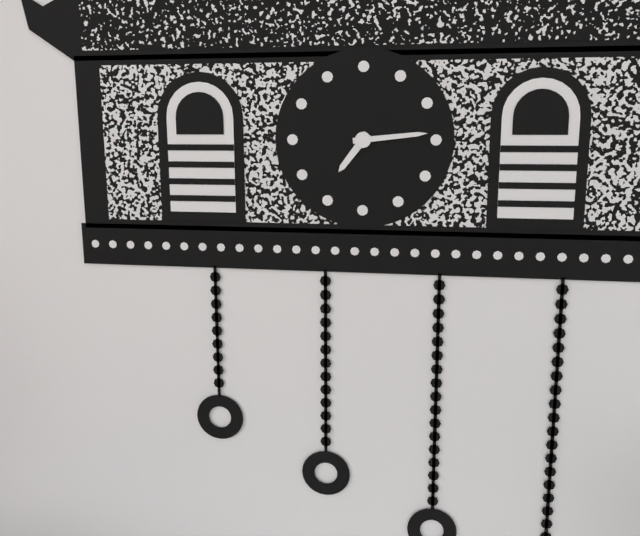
7:14
